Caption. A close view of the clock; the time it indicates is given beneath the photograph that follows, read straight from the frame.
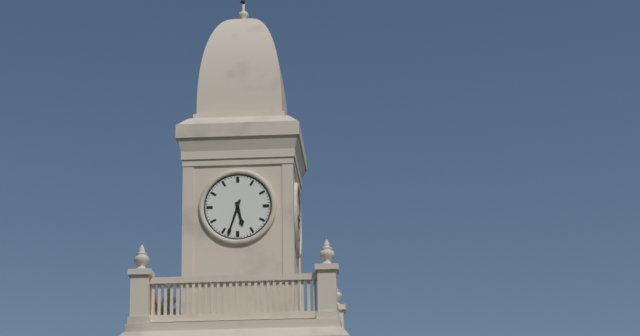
5:33
